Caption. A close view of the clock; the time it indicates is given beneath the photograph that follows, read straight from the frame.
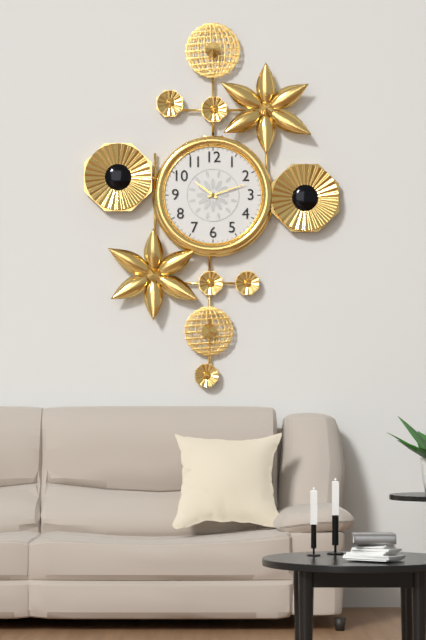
10:12
